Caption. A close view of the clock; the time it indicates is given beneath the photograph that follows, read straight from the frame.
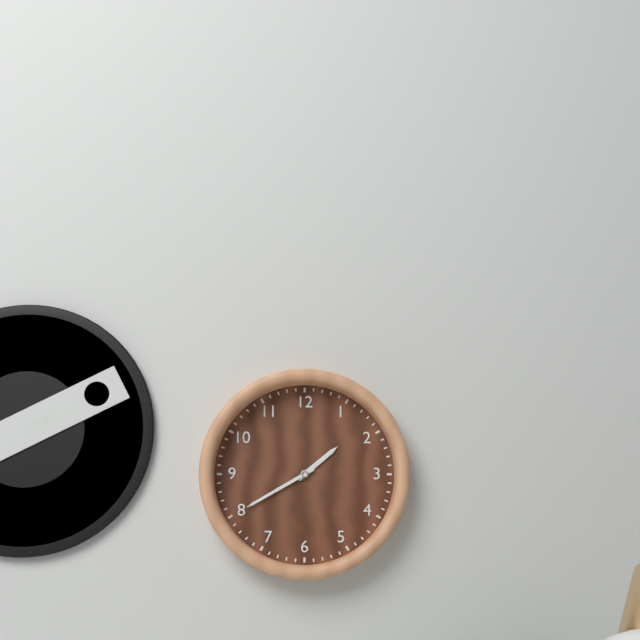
1:40
